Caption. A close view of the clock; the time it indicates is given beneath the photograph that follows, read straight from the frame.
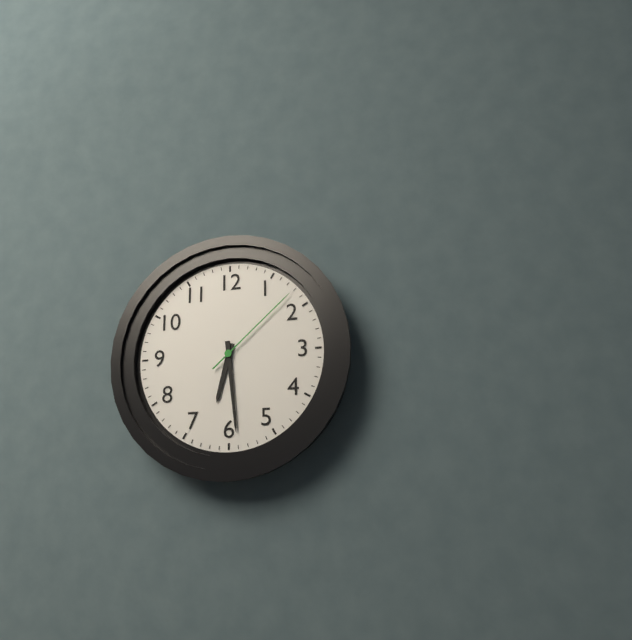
6:29:08
